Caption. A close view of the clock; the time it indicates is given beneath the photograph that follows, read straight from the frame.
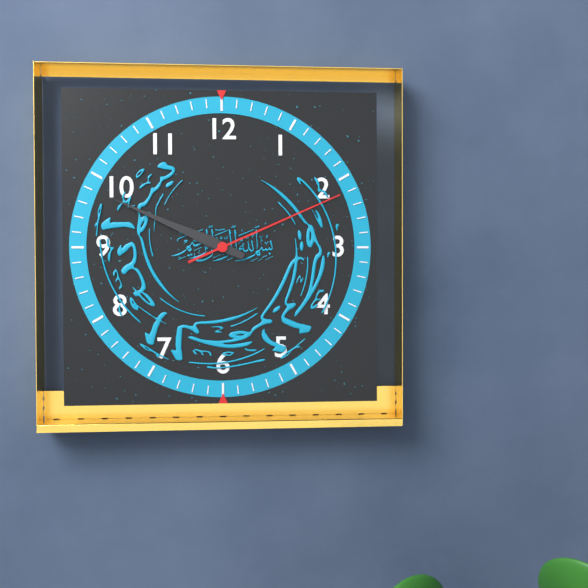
9:49:11
